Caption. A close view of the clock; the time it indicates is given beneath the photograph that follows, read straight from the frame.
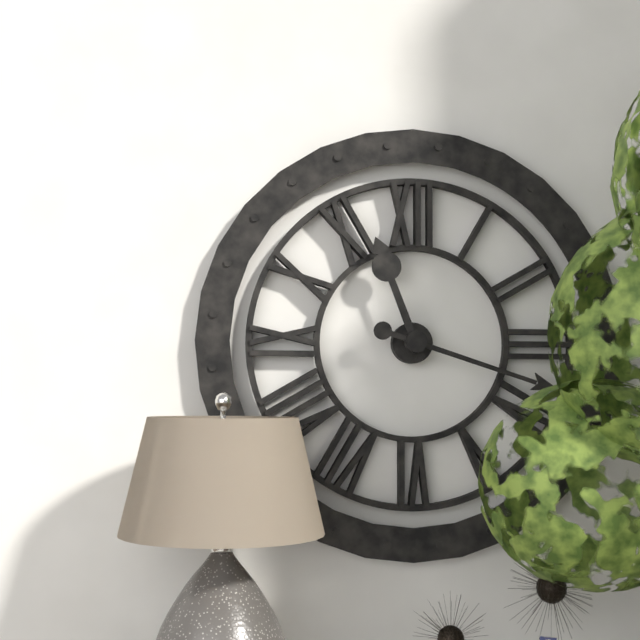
11:18
